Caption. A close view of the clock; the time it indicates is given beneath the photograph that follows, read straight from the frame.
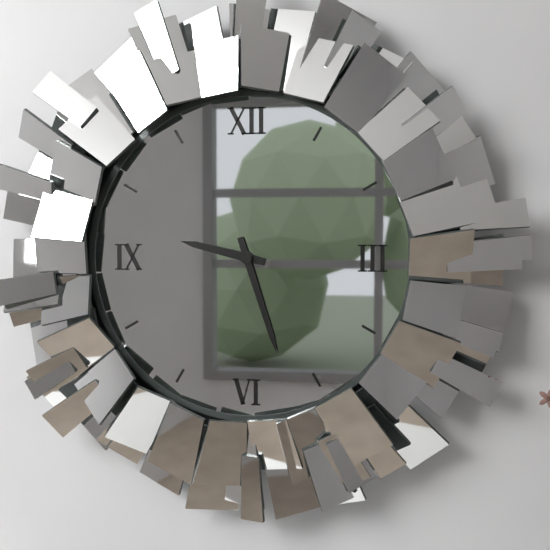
9:27
